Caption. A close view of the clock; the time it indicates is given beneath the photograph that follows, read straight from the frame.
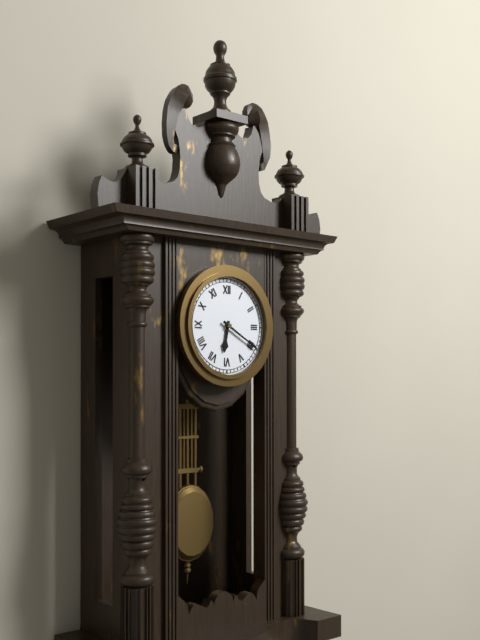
6:20
